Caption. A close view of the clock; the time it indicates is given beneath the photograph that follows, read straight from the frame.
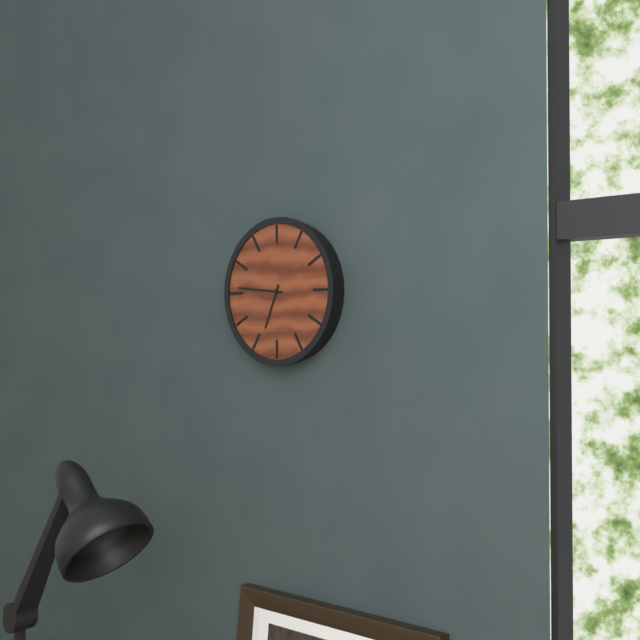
6:46
